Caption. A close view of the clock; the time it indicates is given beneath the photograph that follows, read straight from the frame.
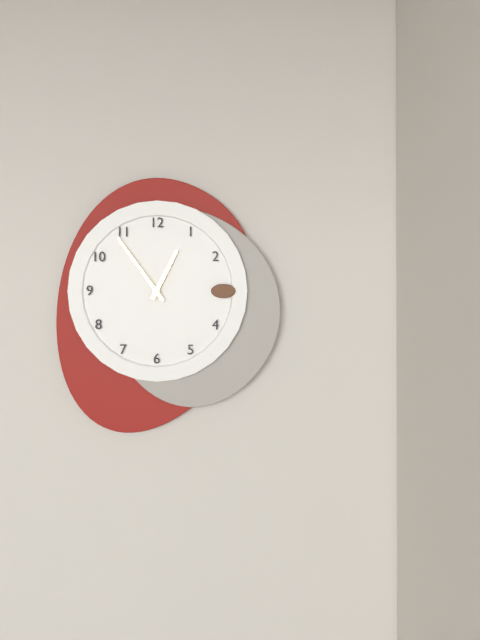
12:54
